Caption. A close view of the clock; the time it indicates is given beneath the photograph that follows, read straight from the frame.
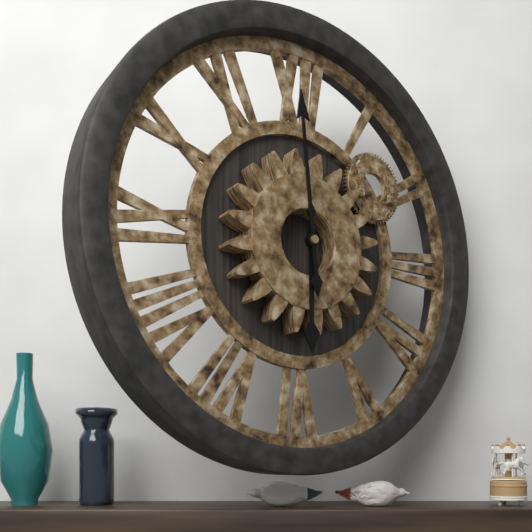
5:59
